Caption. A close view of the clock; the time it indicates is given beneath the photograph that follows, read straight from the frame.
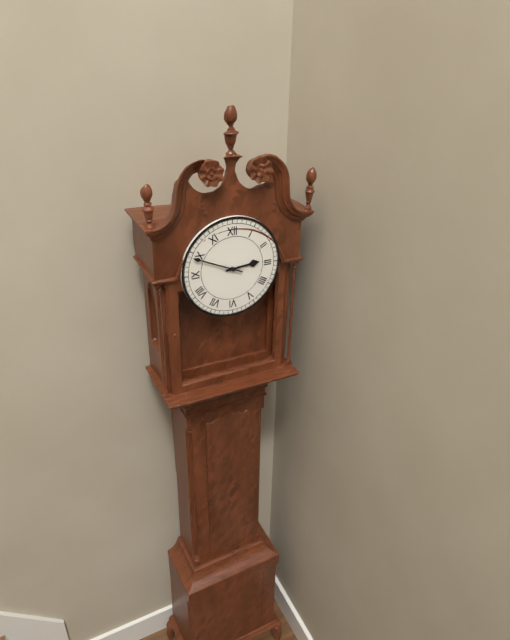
2:49
